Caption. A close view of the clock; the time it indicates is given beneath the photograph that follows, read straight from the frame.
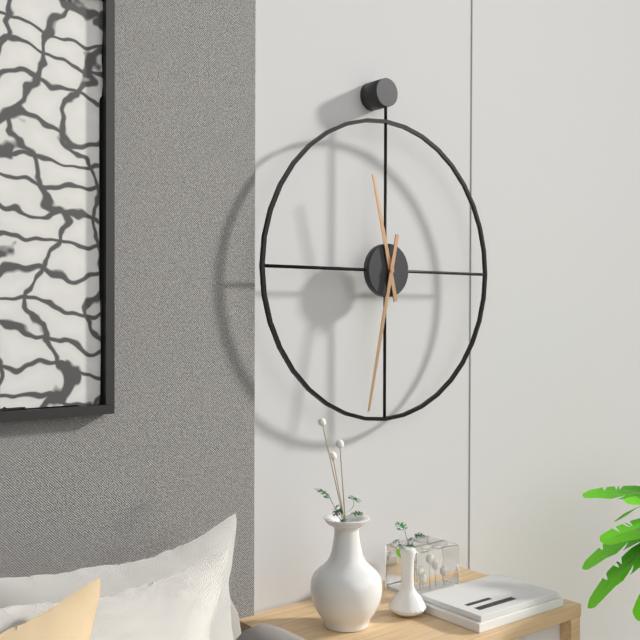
11:32
